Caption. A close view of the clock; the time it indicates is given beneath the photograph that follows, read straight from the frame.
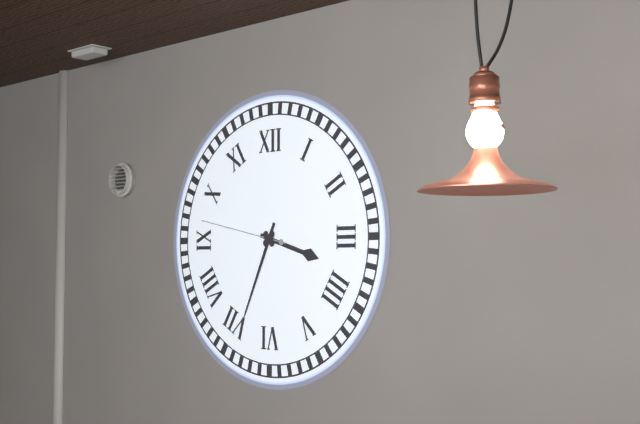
3:34:47
